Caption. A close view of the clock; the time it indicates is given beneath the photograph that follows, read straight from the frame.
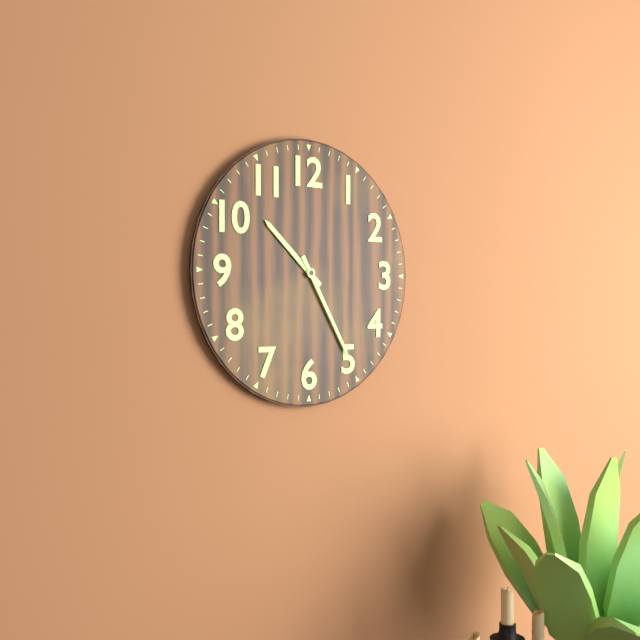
10:25
